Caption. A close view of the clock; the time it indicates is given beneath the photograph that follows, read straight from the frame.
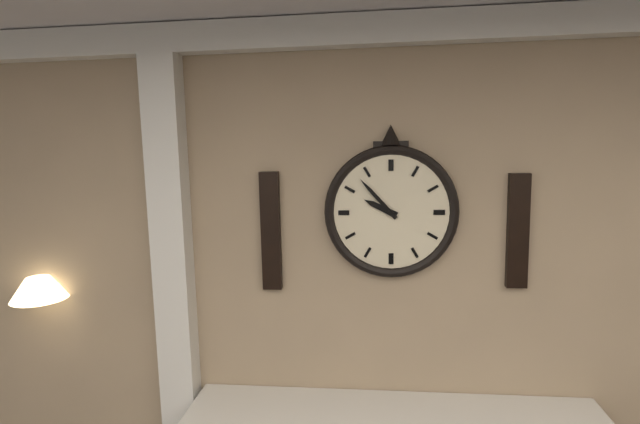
9:53
